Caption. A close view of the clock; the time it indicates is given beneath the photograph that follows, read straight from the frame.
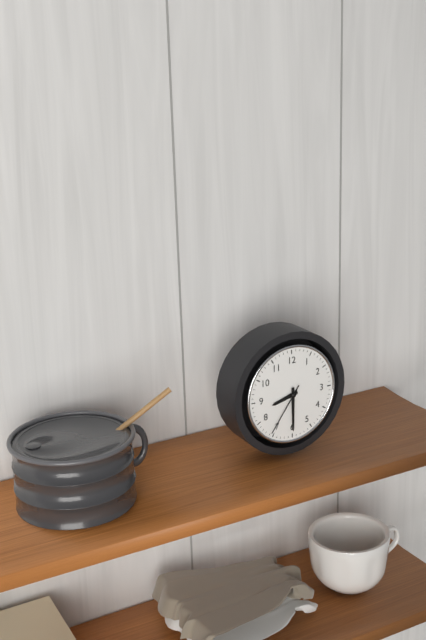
8:30:36
